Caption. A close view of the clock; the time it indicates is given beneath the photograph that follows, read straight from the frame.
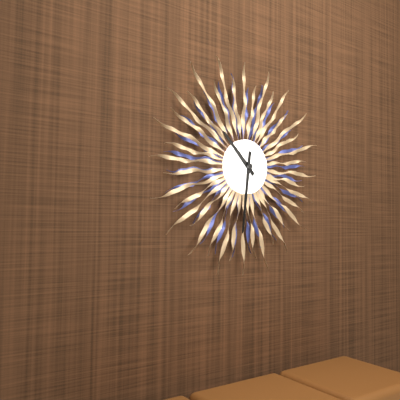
10:31
